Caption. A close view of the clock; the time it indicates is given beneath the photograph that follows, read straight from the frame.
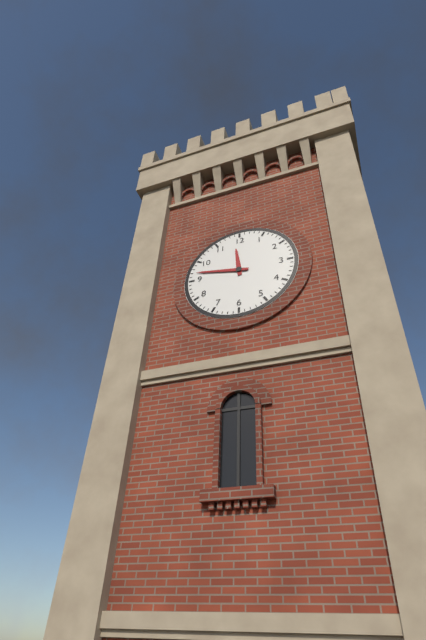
11:47
